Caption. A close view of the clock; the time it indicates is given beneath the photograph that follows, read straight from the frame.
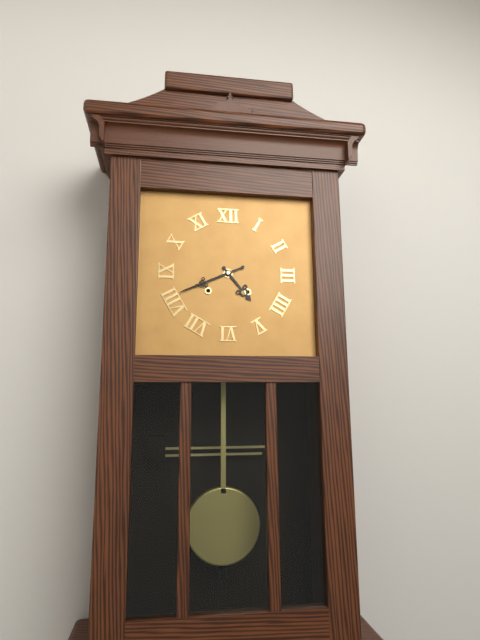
4:41
